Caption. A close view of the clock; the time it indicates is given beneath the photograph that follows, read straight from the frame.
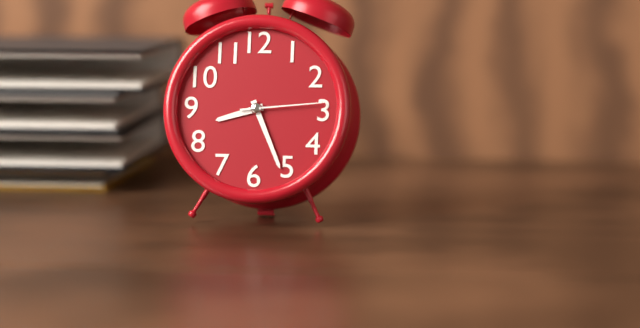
8:26:14
